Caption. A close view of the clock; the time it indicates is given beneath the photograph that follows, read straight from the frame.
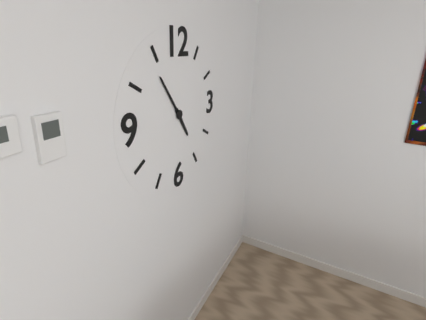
4:54
